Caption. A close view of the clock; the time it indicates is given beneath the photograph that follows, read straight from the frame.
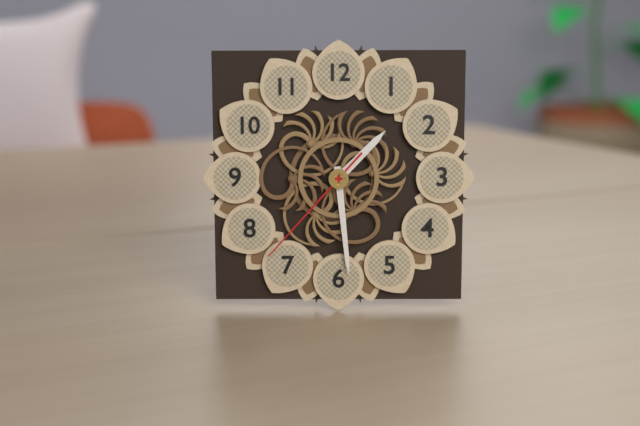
1:29:37
